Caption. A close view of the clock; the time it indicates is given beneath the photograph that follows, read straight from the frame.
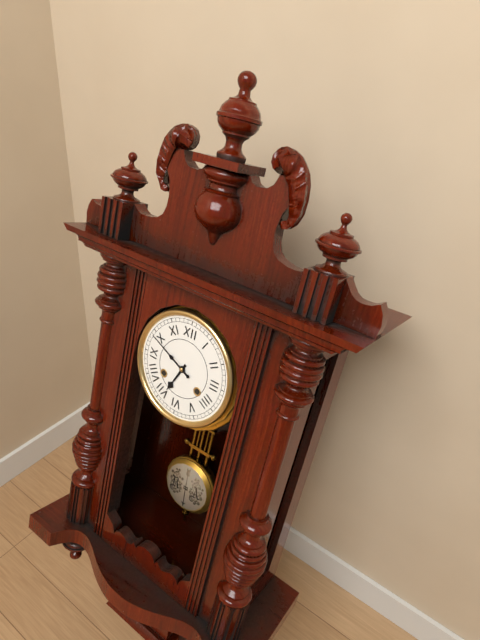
6:49
